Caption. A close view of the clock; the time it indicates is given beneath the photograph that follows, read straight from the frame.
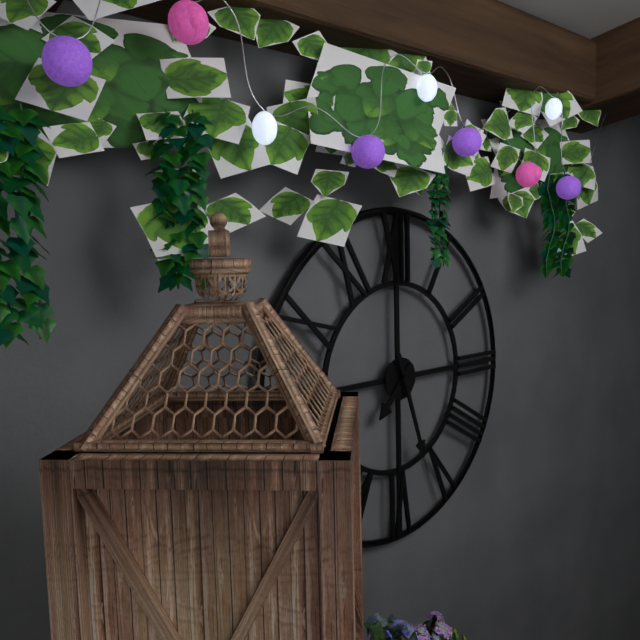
7:27
